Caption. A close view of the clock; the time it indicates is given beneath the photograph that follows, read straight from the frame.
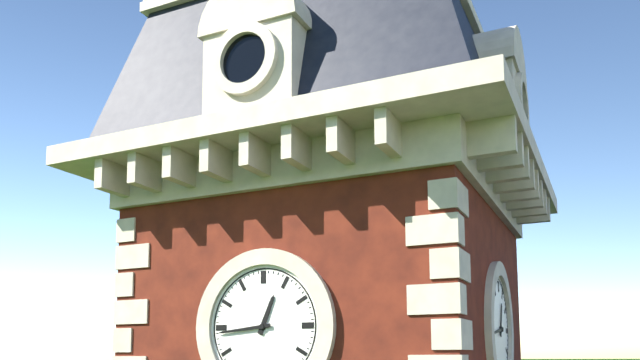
12:44
